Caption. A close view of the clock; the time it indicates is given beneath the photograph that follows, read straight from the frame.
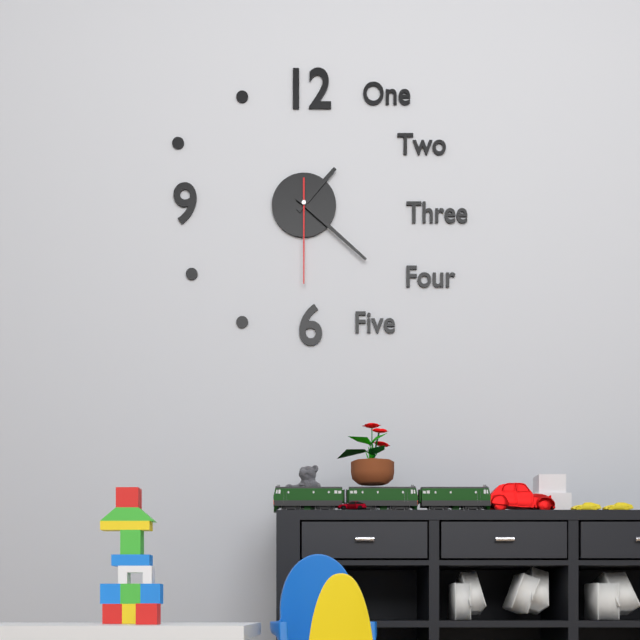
1:22:30
